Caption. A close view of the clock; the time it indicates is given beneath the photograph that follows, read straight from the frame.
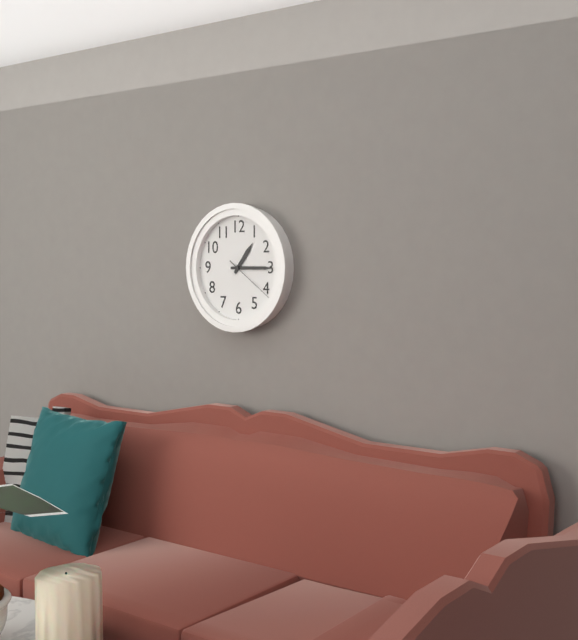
1:15:21
